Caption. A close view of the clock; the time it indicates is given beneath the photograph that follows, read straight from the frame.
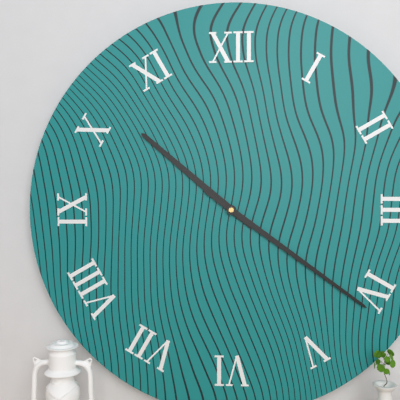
10:21
